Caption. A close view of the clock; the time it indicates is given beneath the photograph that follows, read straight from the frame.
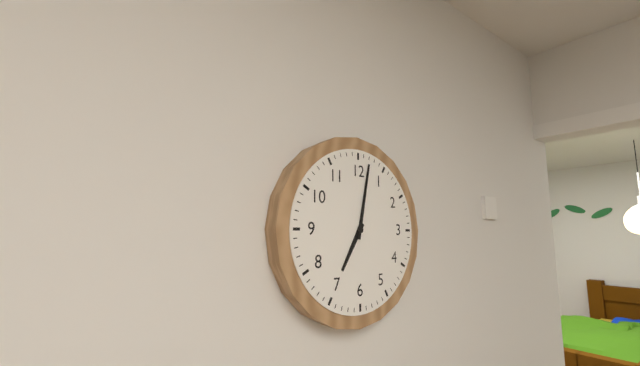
7:02
